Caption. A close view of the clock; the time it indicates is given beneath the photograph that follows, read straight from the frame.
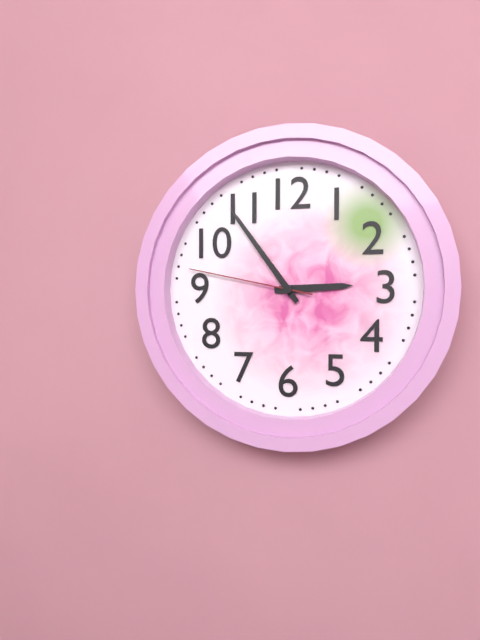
2:54:47
